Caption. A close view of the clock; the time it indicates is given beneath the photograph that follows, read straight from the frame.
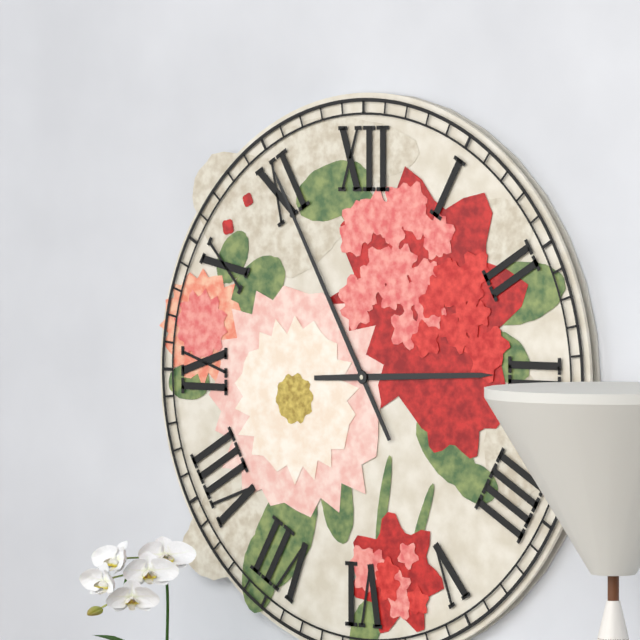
2:55
